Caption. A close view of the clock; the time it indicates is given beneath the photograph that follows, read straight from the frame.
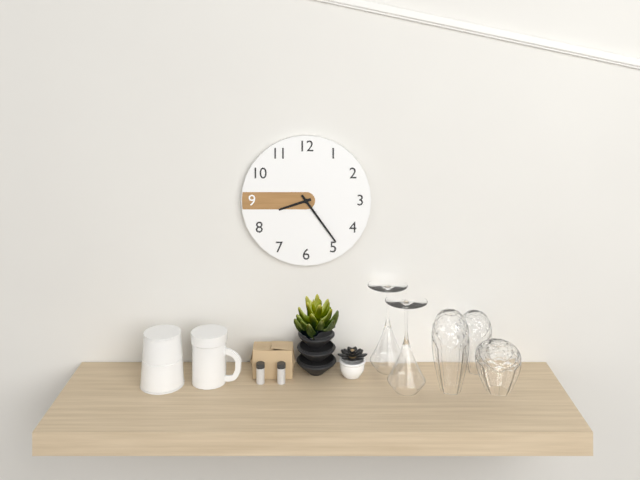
8:24
